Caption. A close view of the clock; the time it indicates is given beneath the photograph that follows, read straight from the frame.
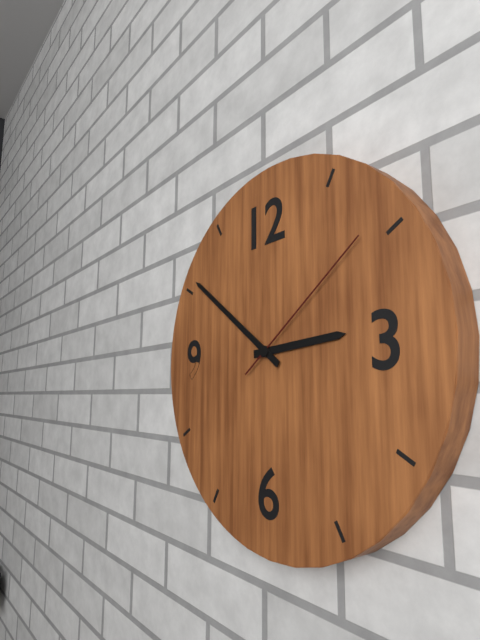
2:51:09
